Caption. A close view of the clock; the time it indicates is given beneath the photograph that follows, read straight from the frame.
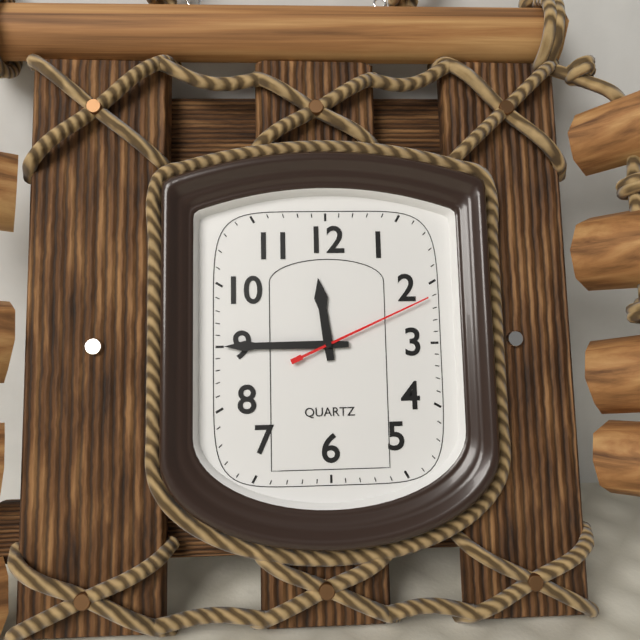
11:45:11
